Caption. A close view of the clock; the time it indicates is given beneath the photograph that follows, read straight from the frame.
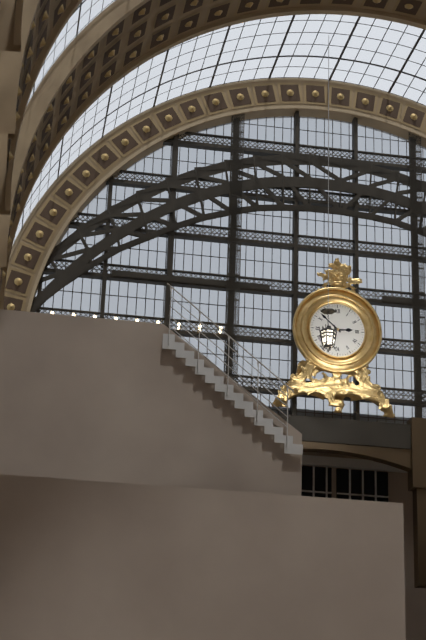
2:52
